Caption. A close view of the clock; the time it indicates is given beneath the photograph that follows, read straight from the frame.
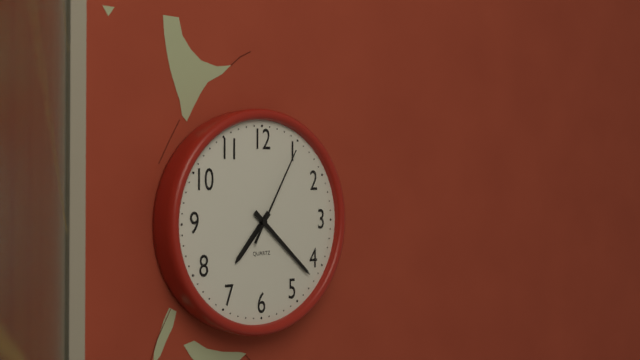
7:22:05
